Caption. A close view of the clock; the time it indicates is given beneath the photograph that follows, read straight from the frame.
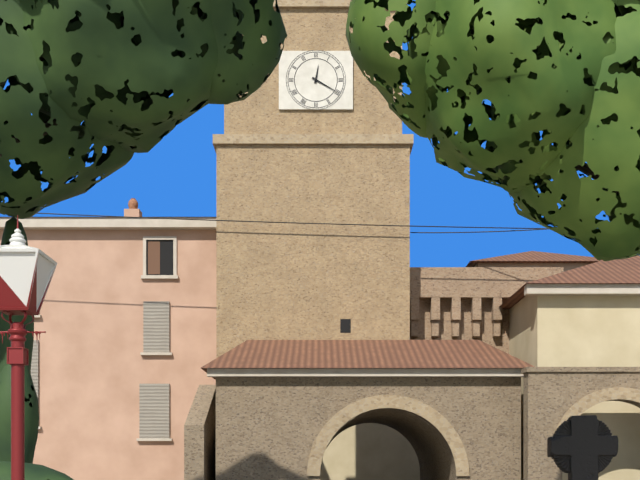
12:20
